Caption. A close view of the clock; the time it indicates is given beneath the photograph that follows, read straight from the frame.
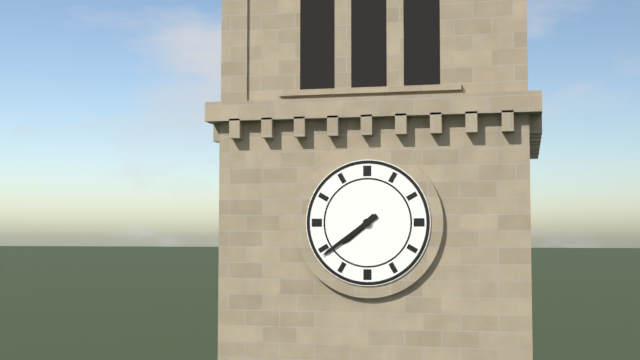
7:39
